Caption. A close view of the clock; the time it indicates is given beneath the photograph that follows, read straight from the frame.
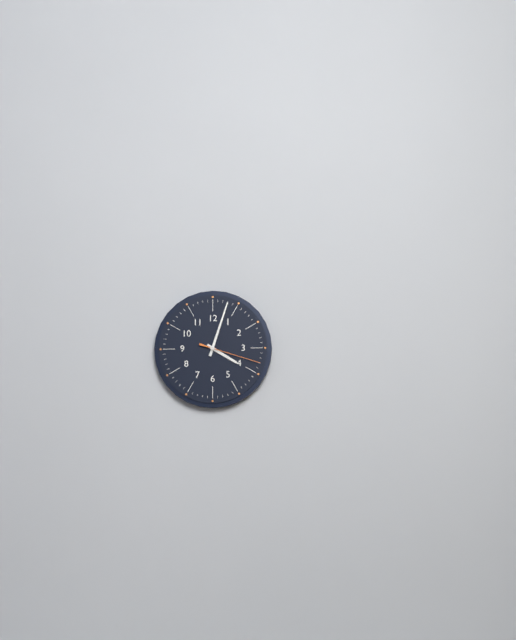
4:03:18
